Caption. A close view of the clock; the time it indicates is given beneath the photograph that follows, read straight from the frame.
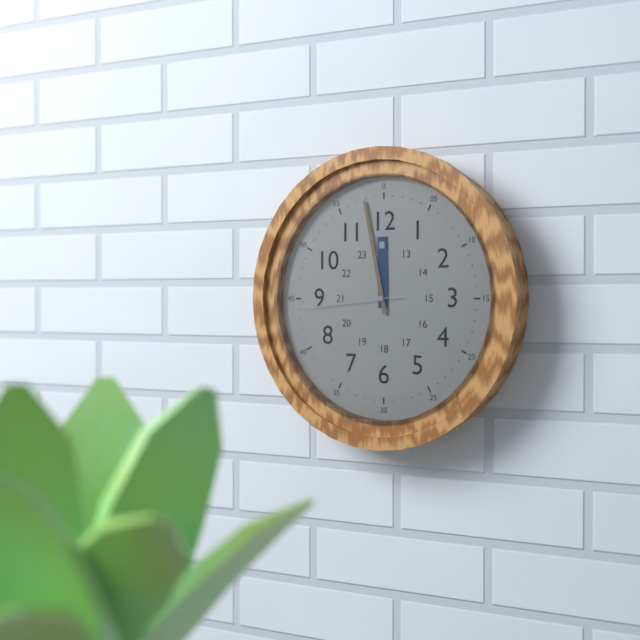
11:58:44
